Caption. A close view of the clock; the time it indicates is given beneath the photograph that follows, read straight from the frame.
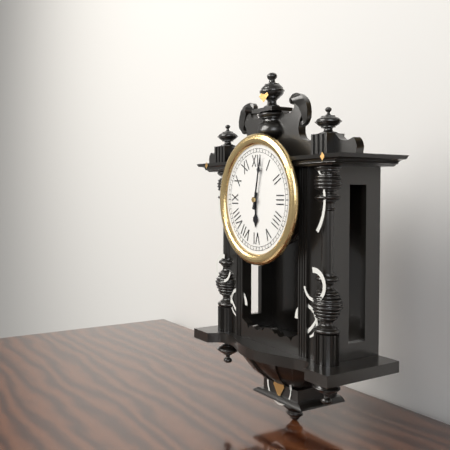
6:02
